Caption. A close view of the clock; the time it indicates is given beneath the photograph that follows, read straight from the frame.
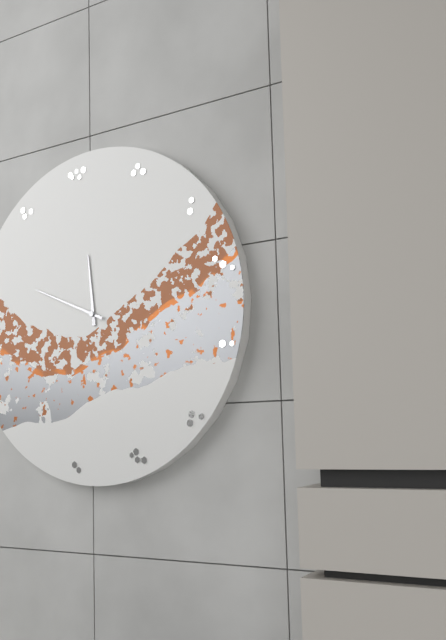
11:49
